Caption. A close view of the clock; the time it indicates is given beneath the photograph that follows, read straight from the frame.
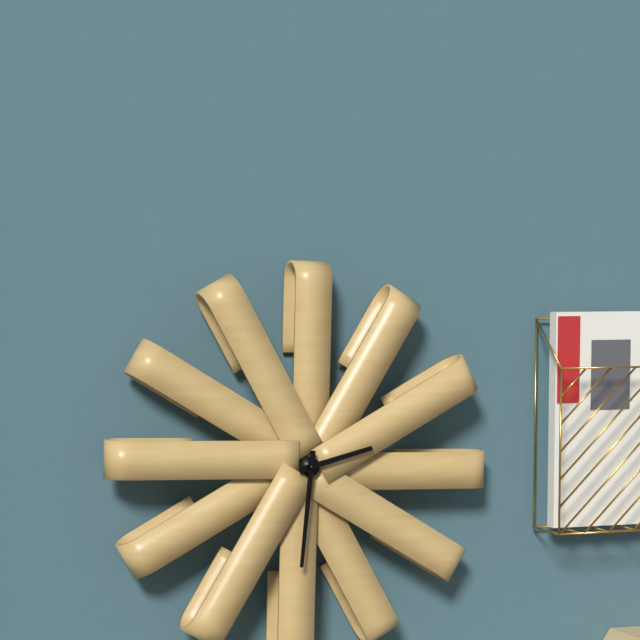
2:31
